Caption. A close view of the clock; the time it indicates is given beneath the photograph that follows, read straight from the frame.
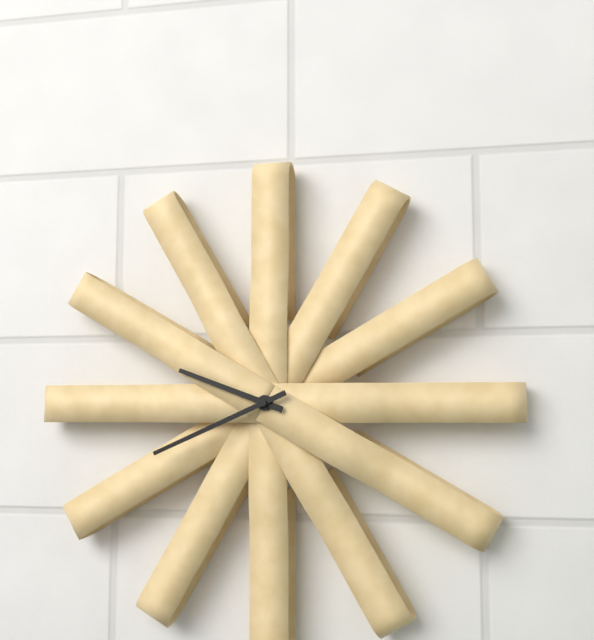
9:41
